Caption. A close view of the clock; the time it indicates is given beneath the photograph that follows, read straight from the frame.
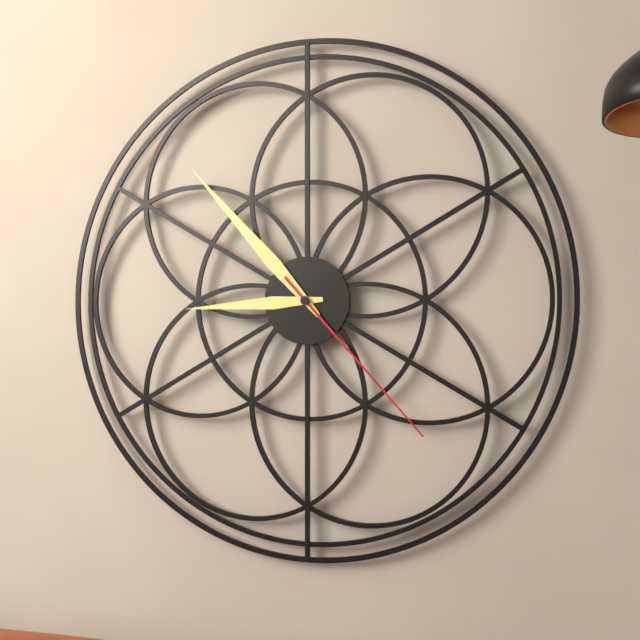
8:53:23
